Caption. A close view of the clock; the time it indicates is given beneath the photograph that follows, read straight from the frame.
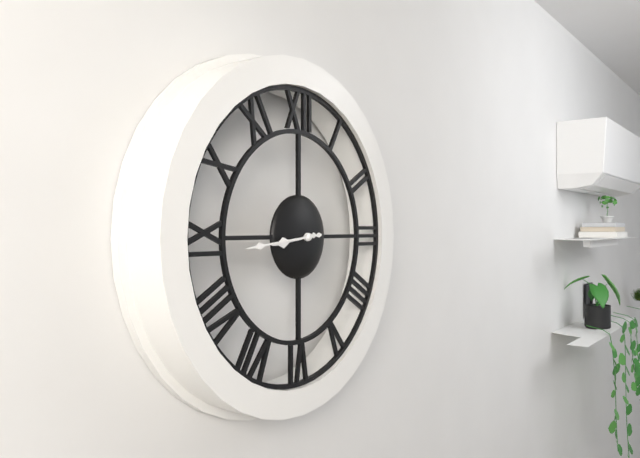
8:44
